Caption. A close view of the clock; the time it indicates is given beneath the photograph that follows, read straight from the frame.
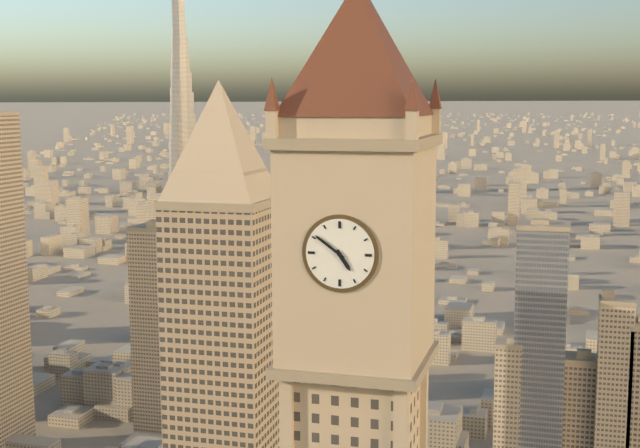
4:51
